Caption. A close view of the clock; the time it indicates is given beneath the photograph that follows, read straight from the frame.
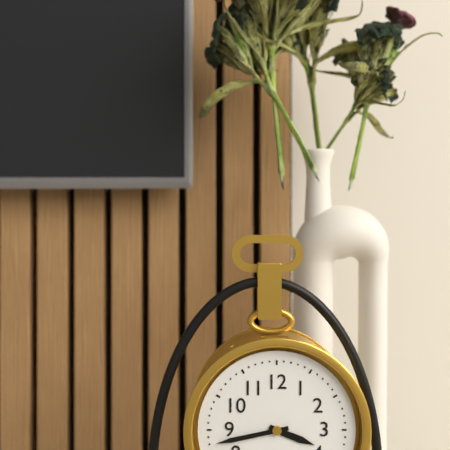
3:43
